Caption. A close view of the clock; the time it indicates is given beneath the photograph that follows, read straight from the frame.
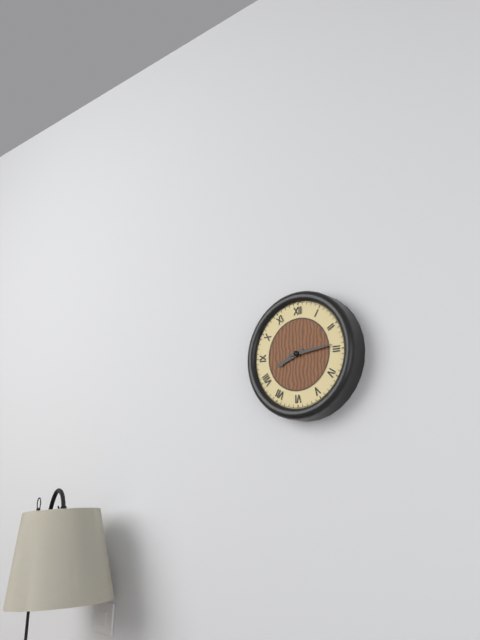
8:14
